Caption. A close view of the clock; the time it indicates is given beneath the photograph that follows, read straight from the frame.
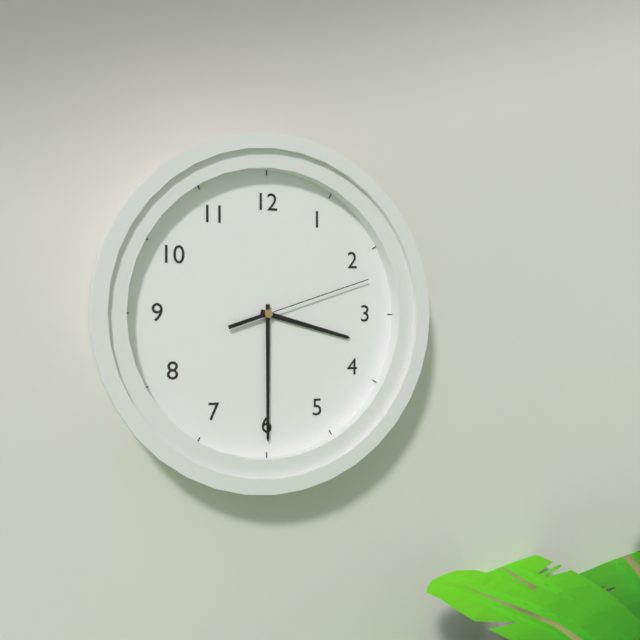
3:30:12
